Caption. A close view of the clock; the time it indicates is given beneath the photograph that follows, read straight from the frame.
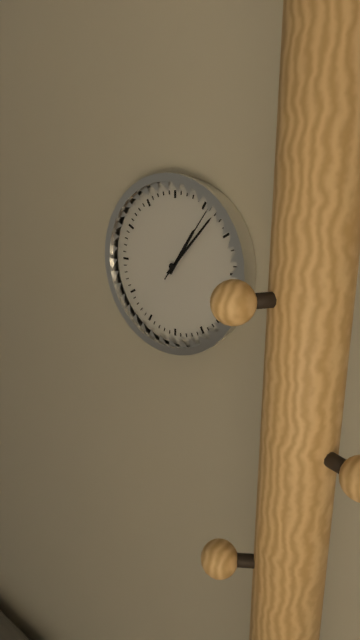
1:07:06
